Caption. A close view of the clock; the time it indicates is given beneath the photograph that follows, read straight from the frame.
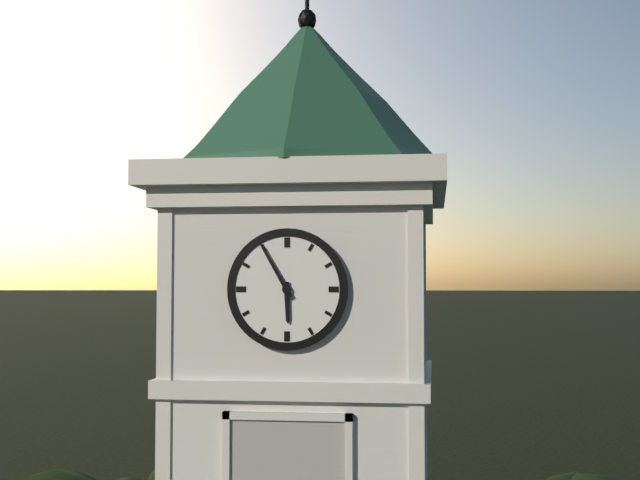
5:55
